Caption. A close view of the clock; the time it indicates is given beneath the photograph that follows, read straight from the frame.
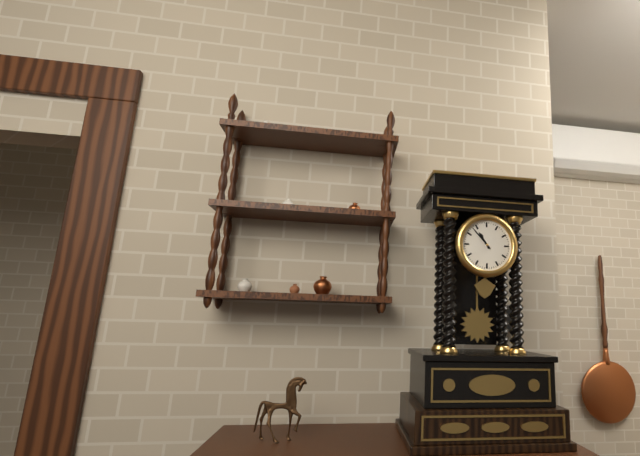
10:53
